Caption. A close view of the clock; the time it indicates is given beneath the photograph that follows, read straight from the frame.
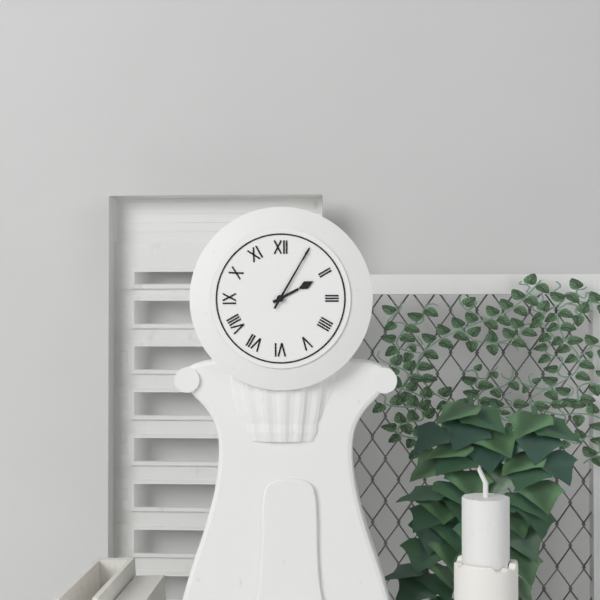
2:05
